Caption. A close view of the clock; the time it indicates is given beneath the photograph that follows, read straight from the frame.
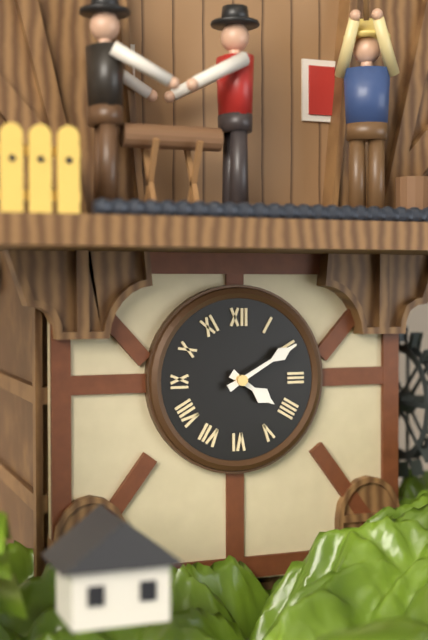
4:10
